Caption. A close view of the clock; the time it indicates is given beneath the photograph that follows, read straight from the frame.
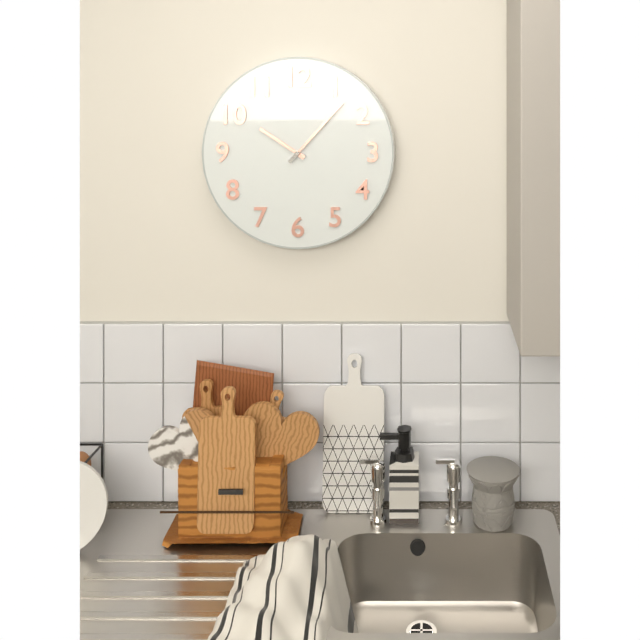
10:07
